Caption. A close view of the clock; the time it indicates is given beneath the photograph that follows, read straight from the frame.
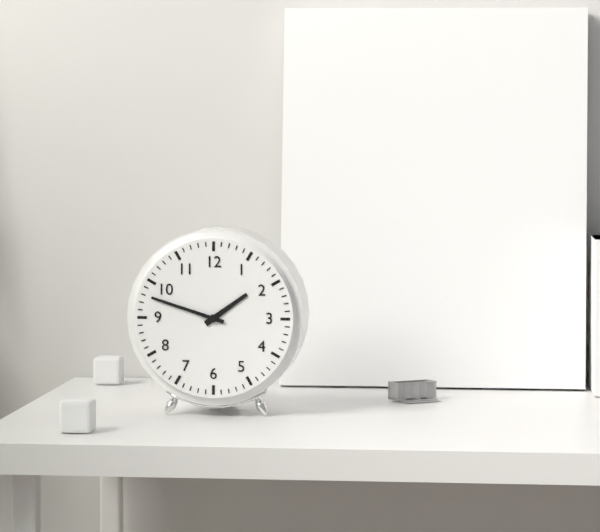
1:48
